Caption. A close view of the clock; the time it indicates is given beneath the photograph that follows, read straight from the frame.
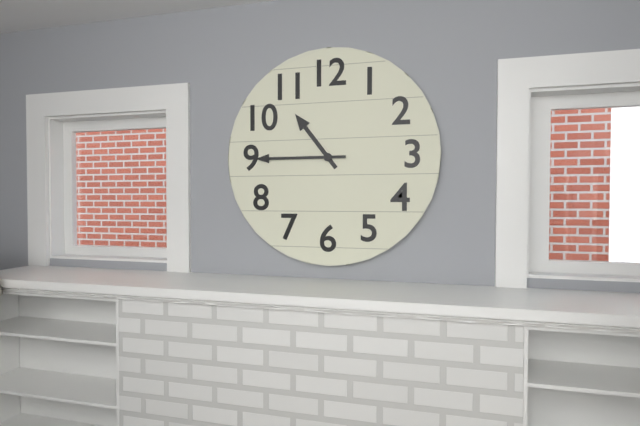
10:45
